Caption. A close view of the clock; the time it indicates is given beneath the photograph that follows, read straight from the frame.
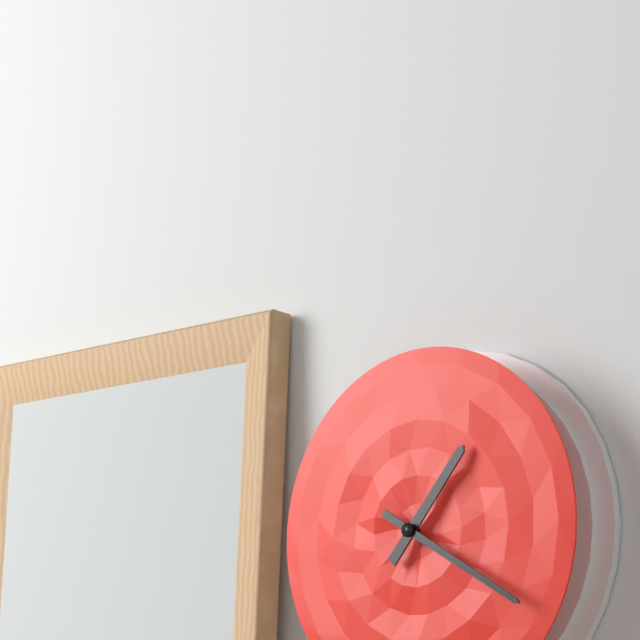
1:20
